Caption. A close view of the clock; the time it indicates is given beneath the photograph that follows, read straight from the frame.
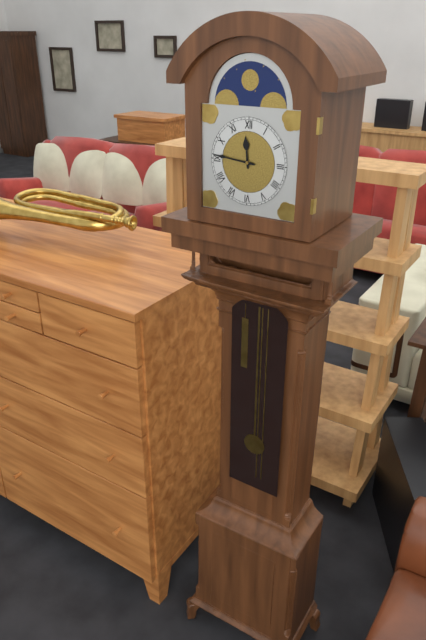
11:46
